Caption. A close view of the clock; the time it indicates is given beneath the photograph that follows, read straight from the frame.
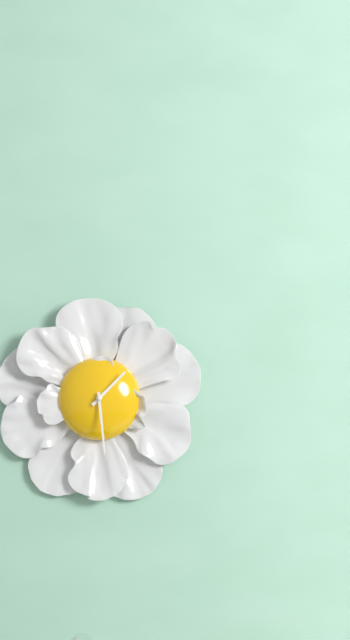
1:29
